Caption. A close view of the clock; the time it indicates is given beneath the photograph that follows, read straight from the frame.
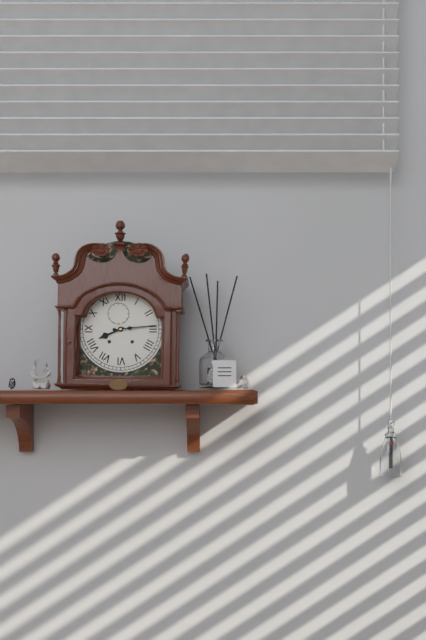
8:14
